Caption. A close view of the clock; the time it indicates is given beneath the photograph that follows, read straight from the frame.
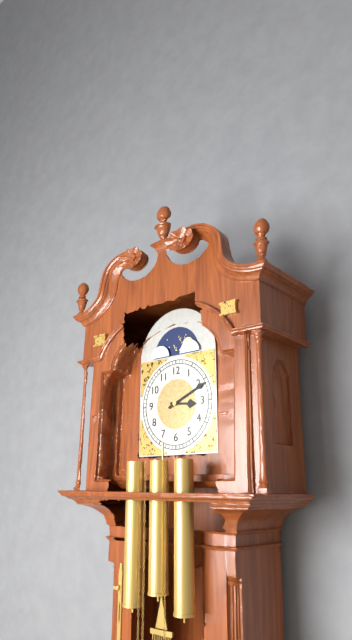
3:11
